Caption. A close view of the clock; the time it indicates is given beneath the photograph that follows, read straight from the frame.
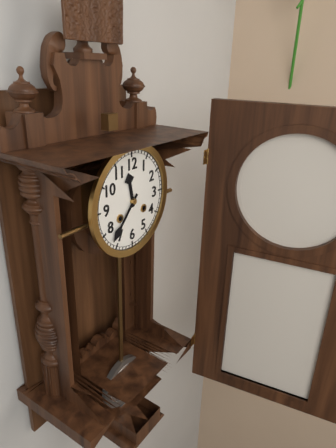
11:37
